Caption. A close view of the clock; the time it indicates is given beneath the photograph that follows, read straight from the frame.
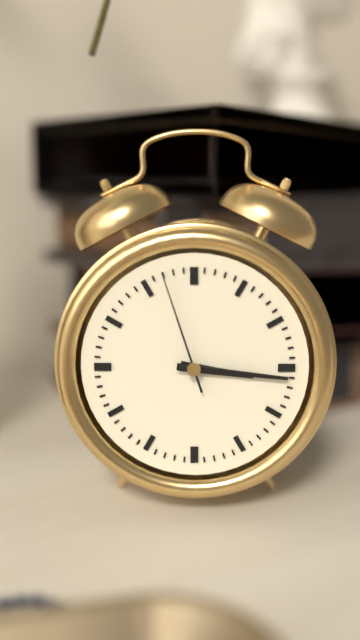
3:16:57
